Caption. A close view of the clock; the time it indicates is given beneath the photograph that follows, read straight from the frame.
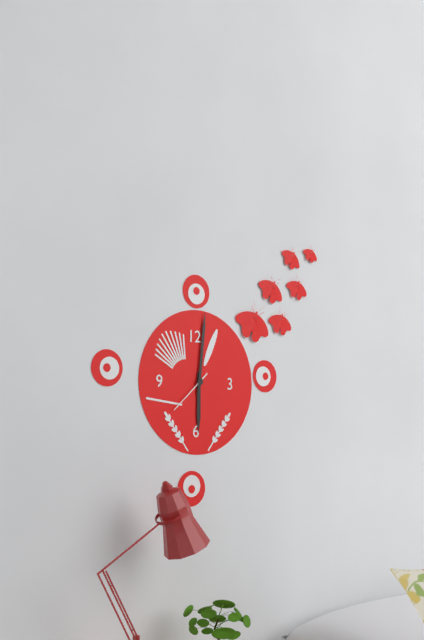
6:01
